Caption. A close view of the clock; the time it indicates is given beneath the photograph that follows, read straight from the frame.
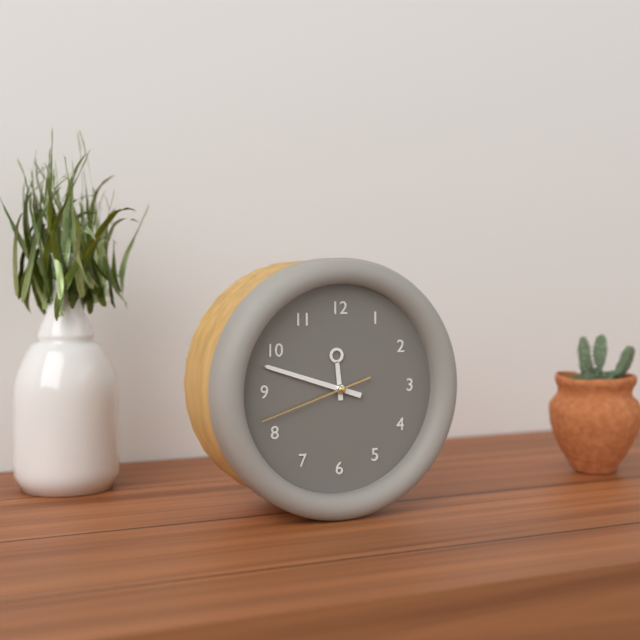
11:48:42
